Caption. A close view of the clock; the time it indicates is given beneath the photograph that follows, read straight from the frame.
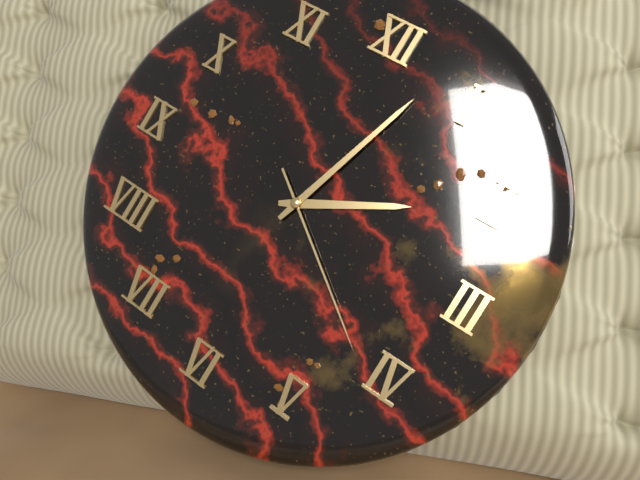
2:03:21
